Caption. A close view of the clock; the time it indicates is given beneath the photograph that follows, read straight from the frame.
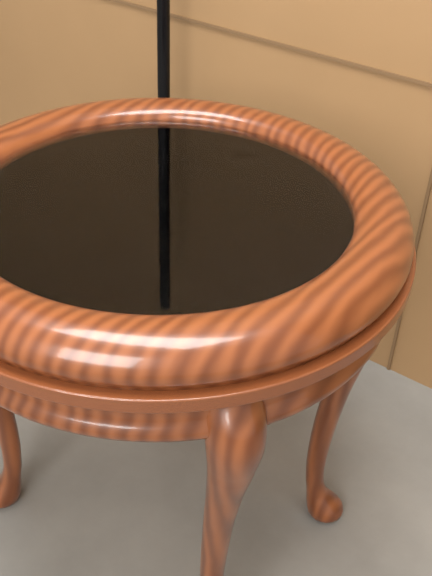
6:52
